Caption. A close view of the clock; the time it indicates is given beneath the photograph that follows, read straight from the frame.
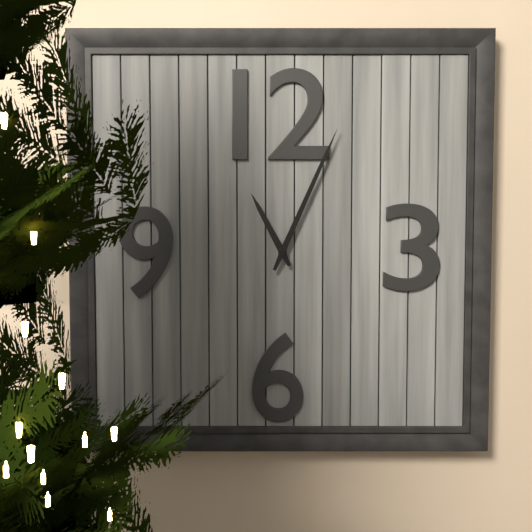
11:04
